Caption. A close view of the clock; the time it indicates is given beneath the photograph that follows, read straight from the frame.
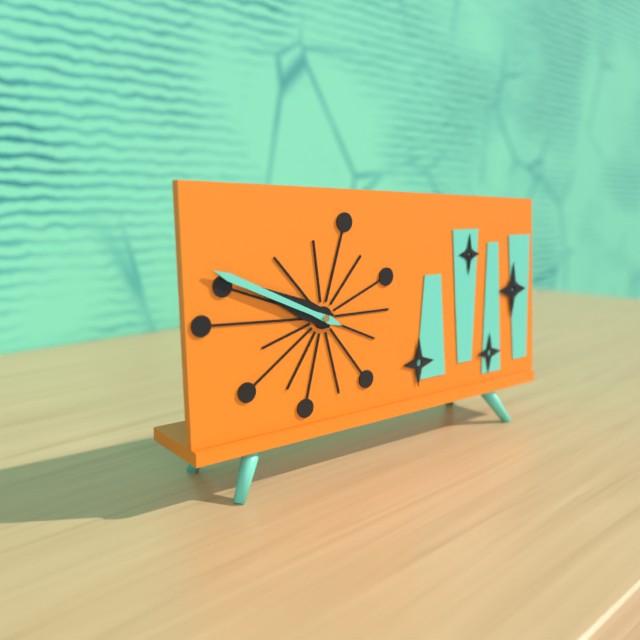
9:49
